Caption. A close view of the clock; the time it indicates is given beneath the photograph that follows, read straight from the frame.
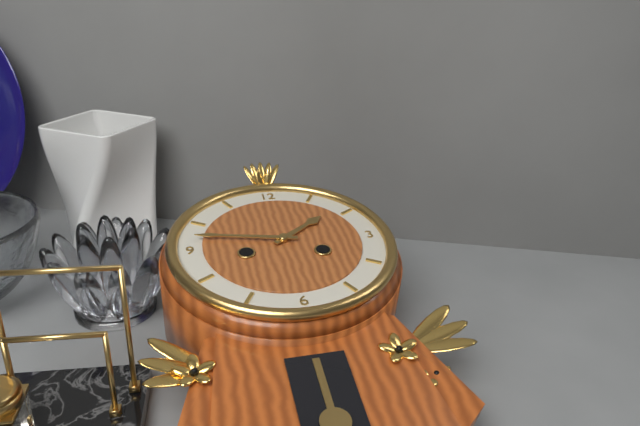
1:47
